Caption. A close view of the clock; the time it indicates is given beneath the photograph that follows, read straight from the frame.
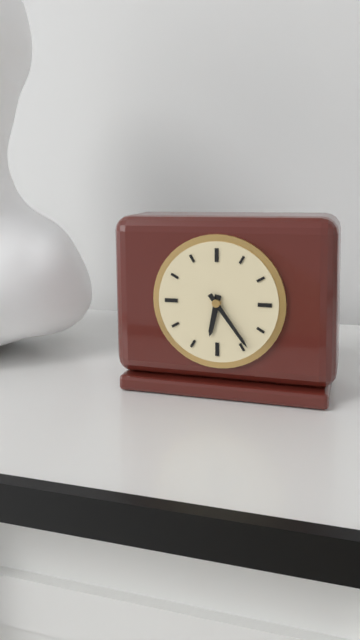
6:24
